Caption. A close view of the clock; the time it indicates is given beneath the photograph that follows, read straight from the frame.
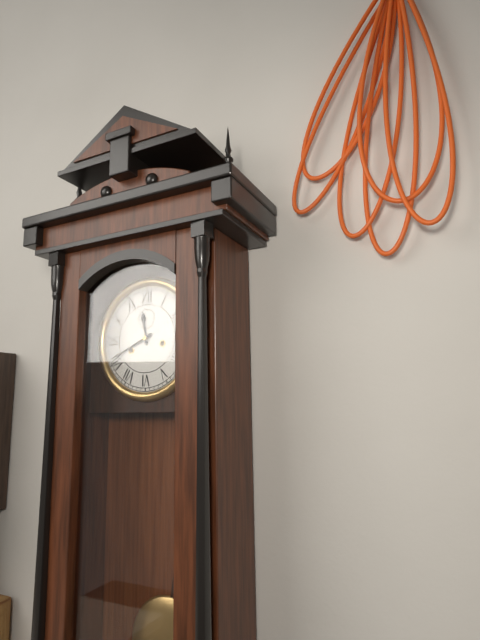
11:41
